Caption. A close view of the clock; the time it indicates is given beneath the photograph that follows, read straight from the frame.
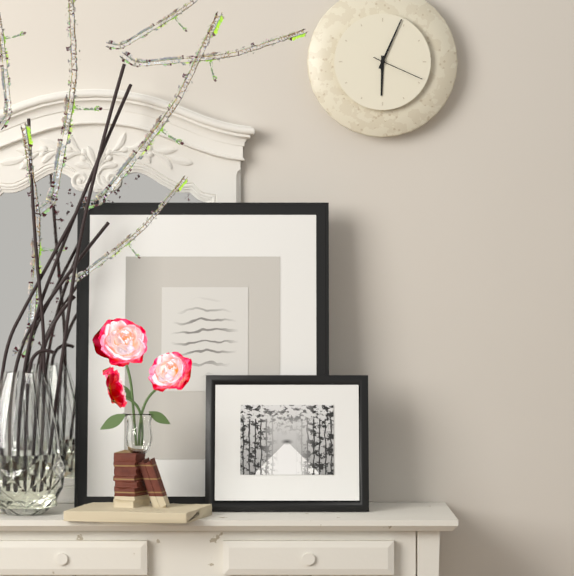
6:04:19
